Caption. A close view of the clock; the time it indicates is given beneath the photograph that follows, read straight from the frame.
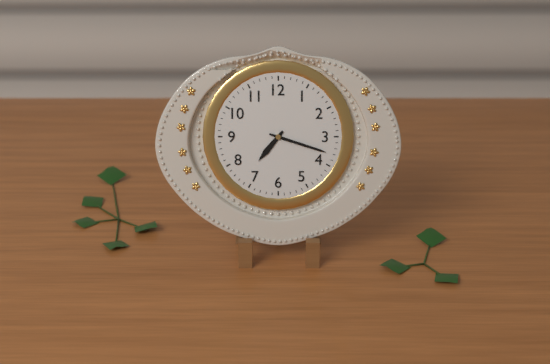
7:18
